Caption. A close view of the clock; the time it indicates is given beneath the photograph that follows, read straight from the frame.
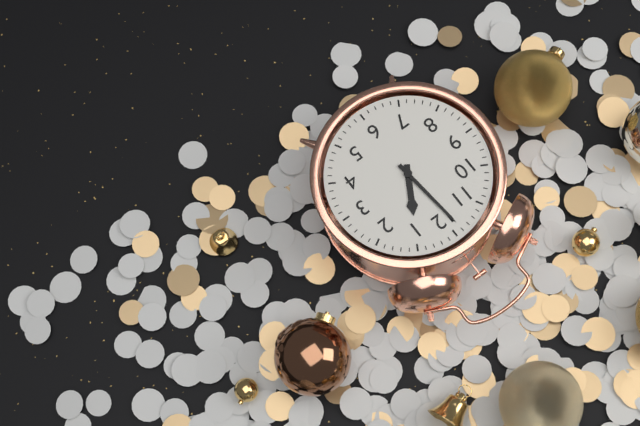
12:59
